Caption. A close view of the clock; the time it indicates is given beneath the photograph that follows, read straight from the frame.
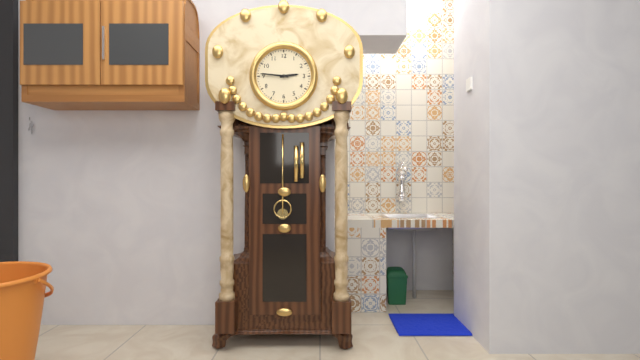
2:46
